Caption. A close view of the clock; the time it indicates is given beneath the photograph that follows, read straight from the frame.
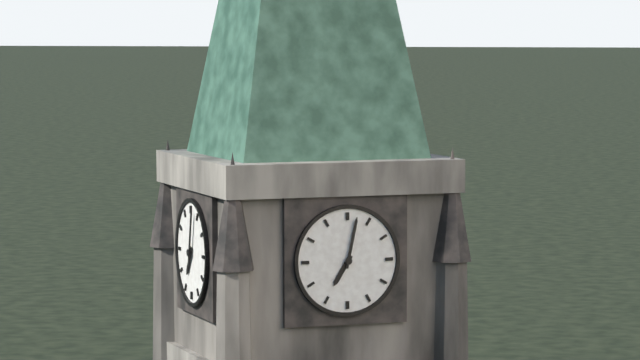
7:02
